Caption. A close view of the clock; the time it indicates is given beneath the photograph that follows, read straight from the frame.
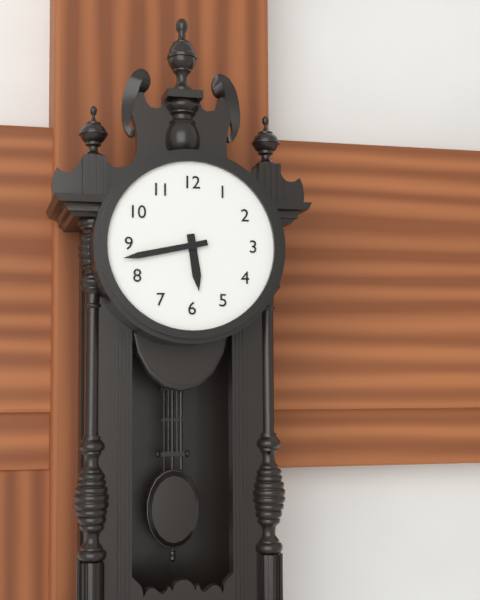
5:43
